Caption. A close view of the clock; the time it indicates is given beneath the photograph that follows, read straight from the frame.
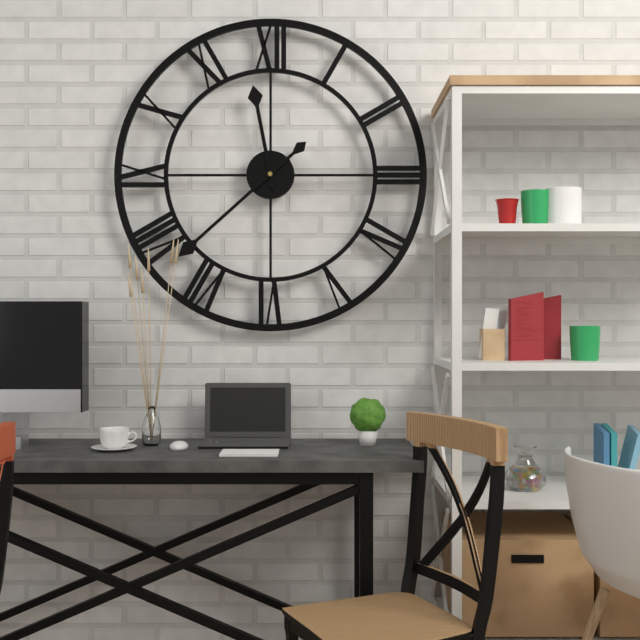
11:38
